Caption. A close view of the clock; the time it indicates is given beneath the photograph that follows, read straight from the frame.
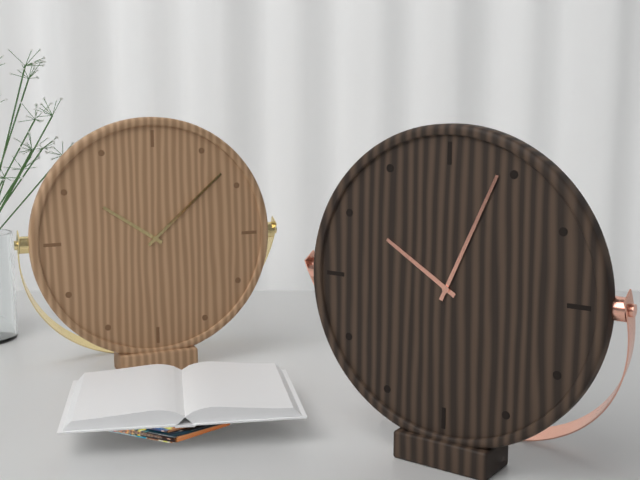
10:04
